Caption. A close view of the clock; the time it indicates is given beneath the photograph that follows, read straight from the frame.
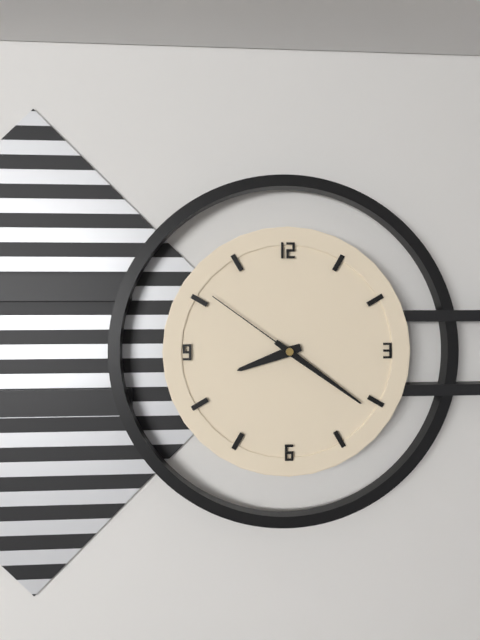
8:21:51
